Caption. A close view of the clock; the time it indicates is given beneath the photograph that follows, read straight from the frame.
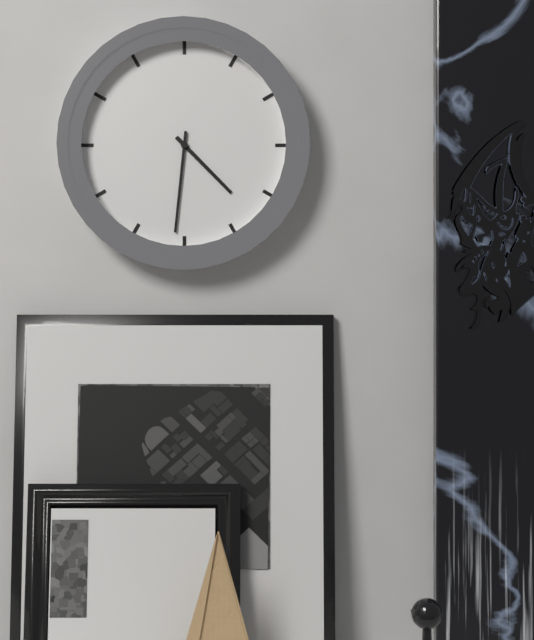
4:31
